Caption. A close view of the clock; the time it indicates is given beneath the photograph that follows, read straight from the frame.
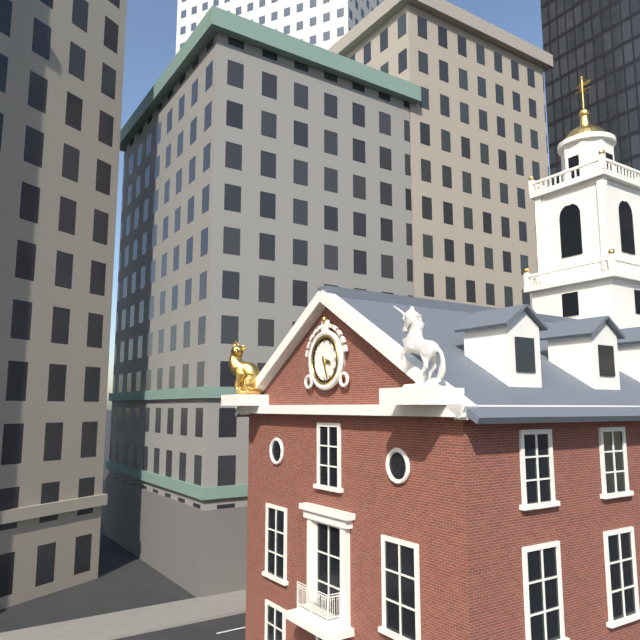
3:27
